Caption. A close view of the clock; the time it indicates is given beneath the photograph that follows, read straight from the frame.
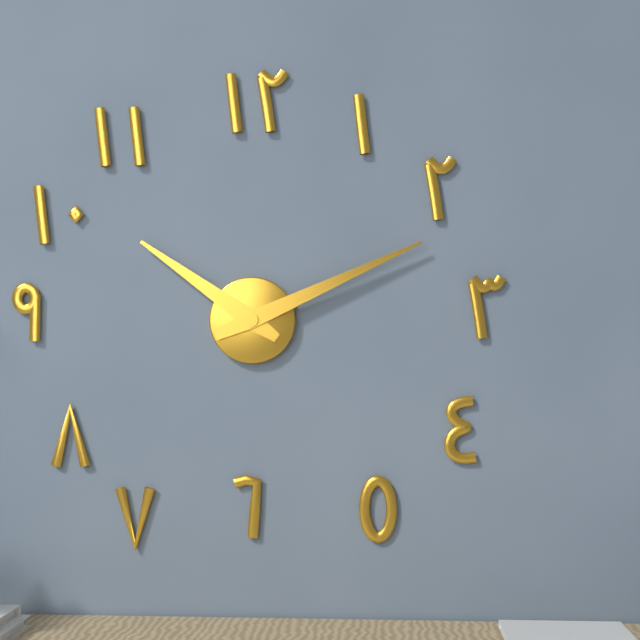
10:11
